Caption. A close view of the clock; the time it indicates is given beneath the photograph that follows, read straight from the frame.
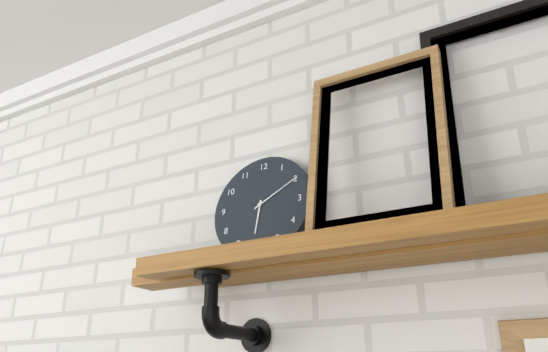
6:10
